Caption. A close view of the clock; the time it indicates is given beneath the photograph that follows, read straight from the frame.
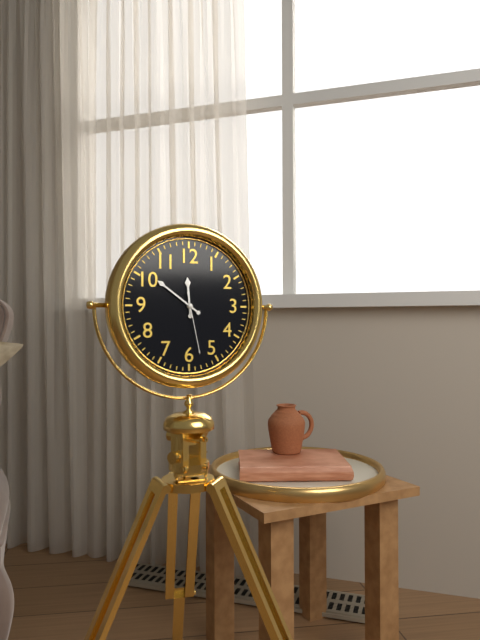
11:51:28
